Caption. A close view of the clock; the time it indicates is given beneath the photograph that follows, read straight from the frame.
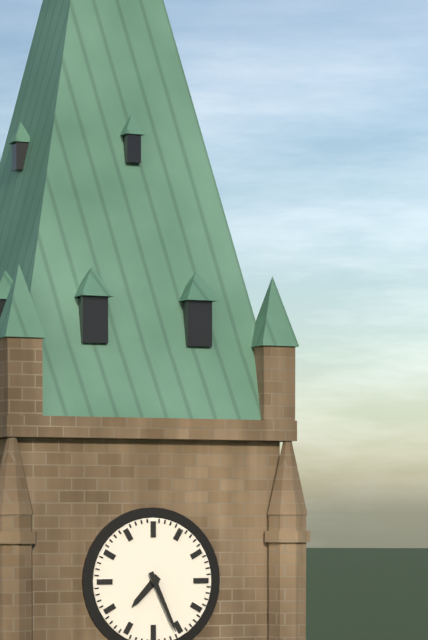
7:26
